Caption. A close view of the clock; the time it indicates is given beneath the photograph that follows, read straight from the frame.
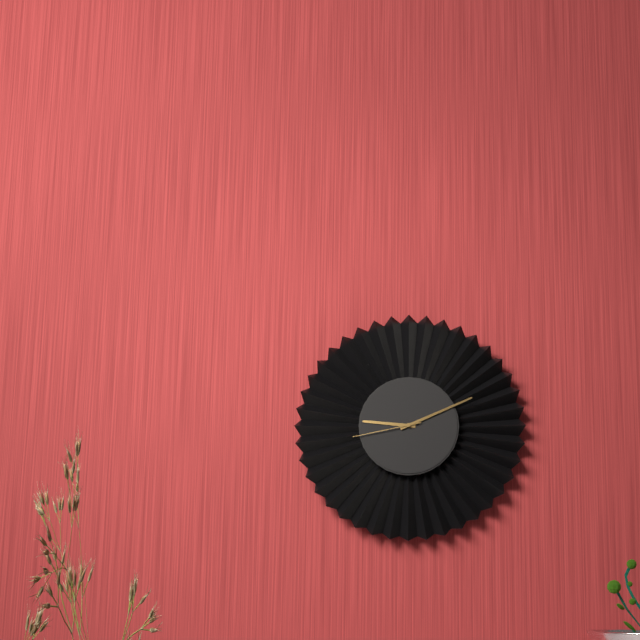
9:11:43
